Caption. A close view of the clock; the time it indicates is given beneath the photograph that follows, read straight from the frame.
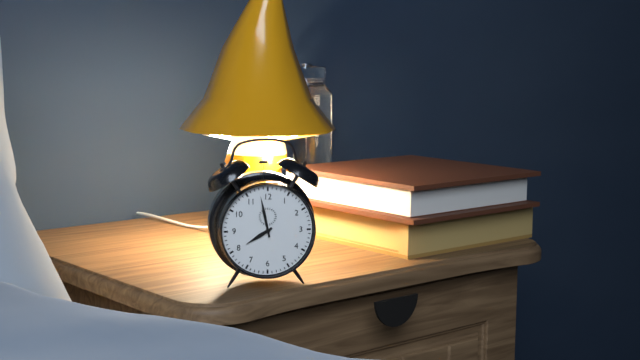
7:58
